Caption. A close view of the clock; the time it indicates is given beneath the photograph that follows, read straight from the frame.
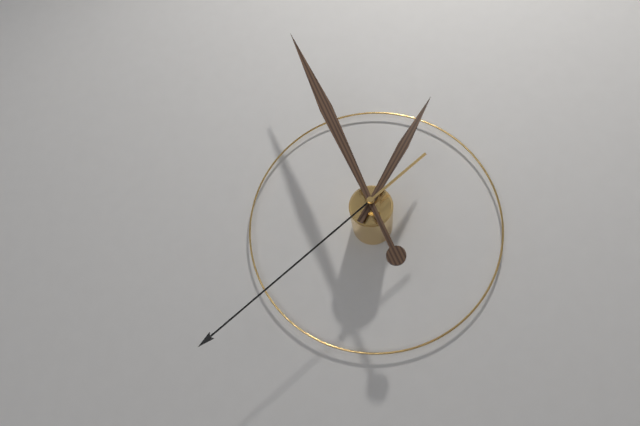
12:56:38
